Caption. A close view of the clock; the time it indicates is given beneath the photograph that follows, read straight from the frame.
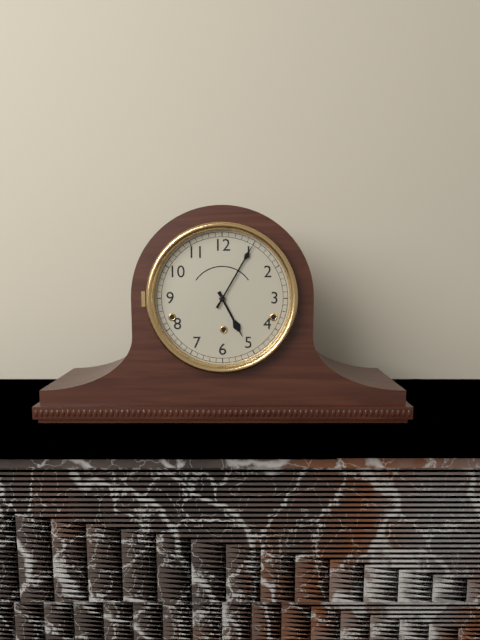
5:05
